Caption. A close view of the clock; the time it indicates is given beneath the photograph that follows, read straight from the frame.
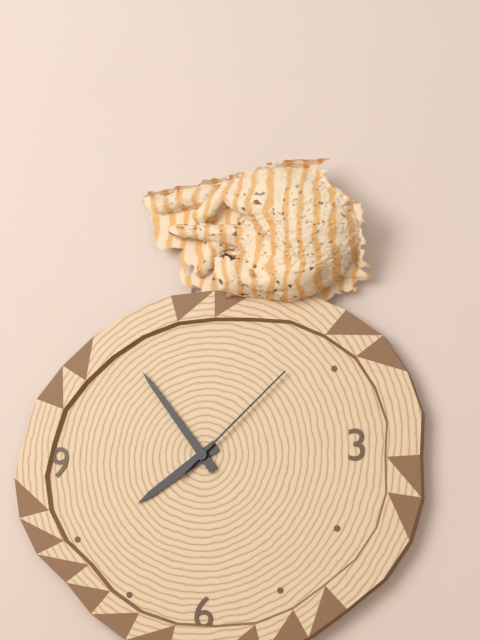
7:54:08
